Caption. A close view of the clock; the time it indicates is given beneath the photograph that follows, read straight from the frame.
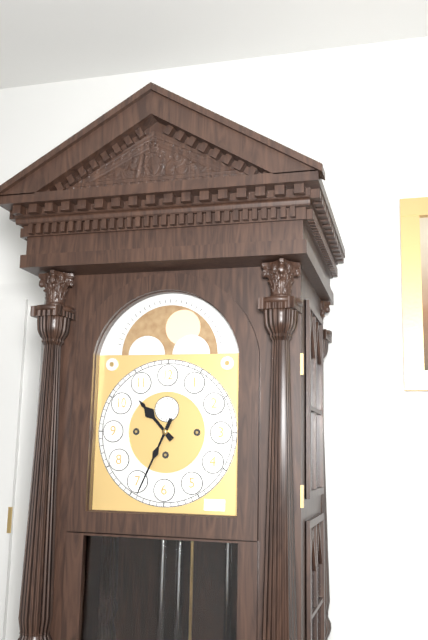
10:34
